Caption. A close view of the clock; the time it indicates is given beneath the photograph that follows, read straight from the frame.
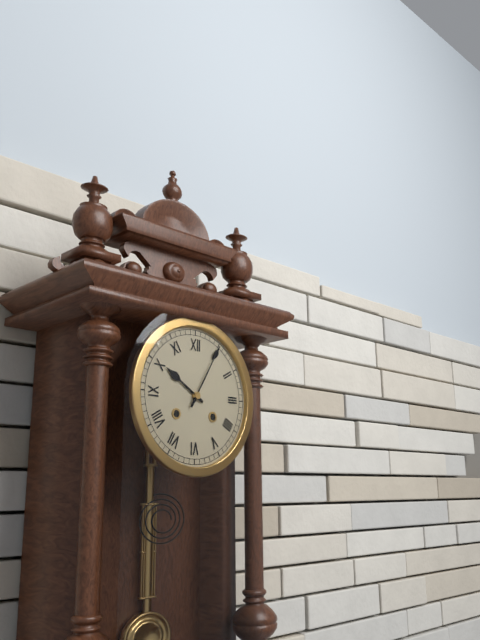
10:05
